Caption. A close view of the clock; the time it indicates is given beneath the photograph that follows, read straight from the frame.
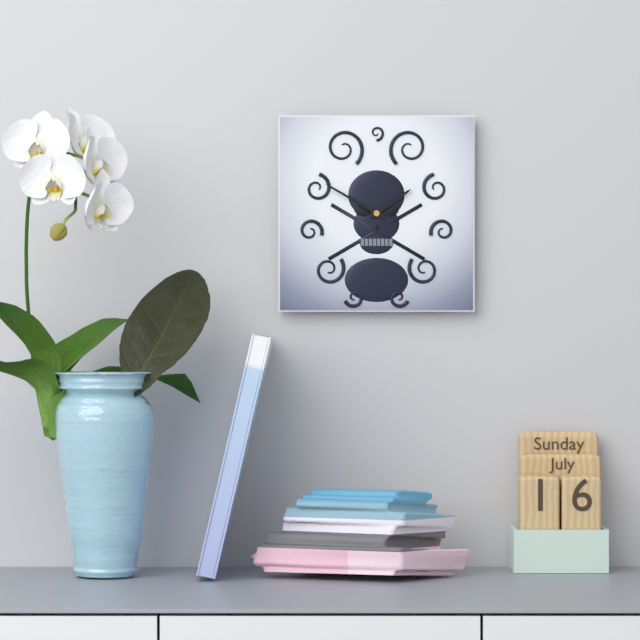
1:50
